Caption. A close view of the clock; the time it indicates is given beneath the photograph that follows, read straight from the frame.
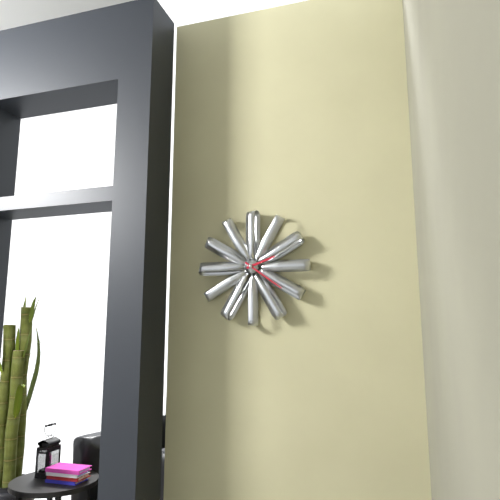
2:21
